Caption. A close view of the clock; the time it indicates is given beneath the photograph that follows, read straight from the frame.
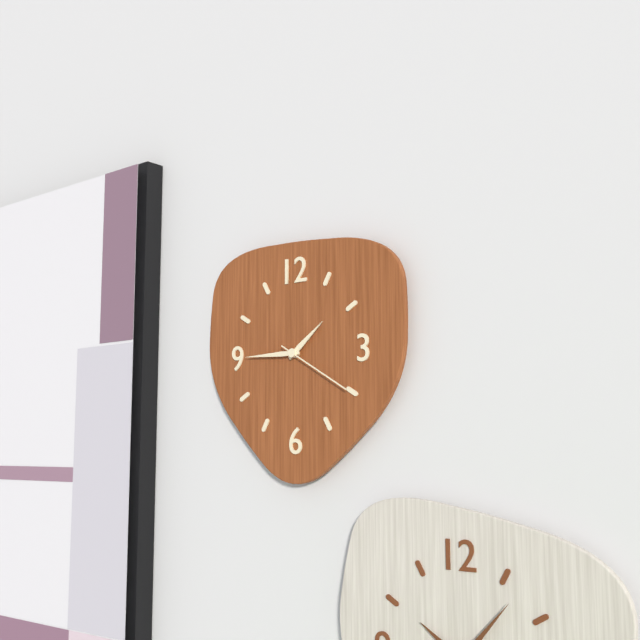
1:45:20
